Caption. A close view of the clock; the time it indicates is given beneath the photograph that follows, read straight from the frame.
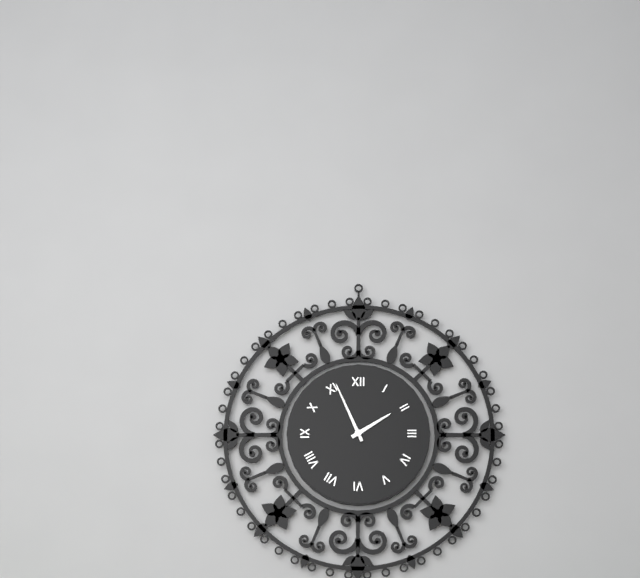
1:56
